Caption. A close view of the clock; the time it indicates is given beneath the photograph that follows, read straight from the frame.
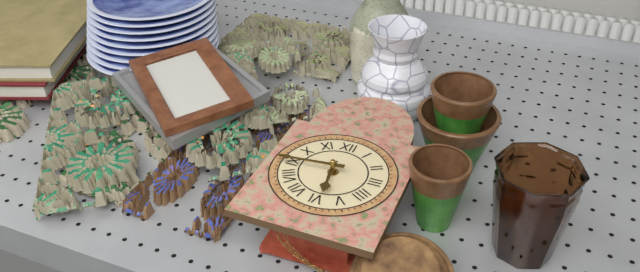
5:44
